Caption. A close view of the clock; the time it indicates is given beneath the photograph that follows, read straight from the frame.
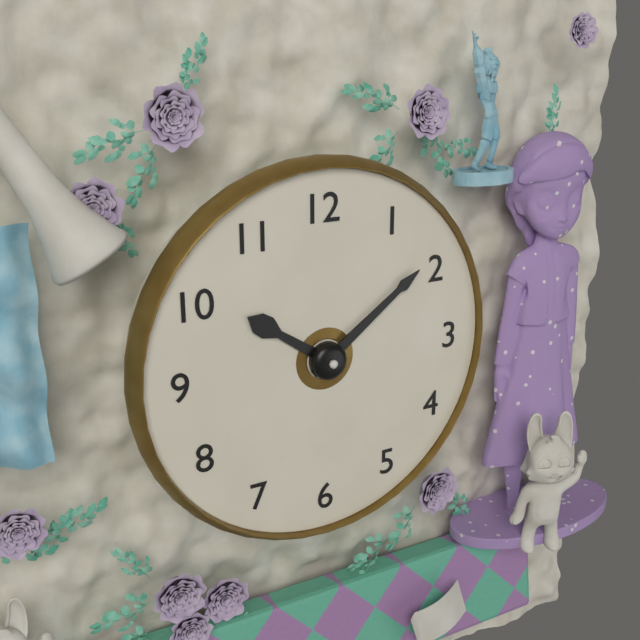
10:09
